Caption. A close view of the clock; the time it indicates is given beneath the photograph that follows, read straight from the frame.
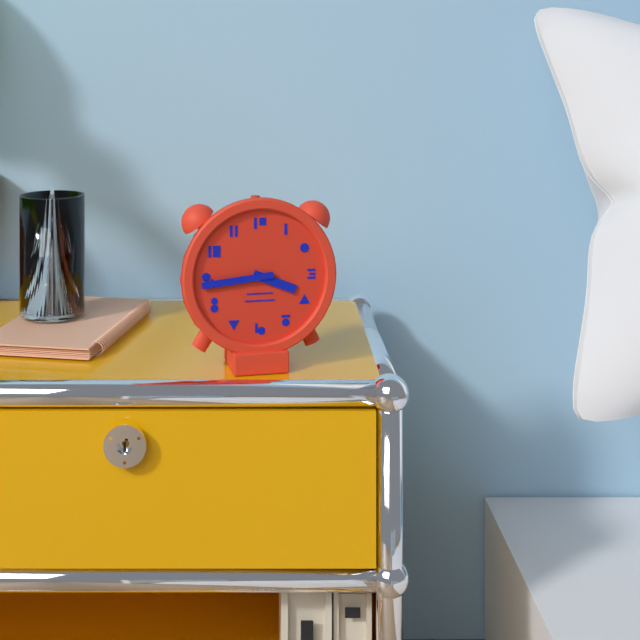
3:44
